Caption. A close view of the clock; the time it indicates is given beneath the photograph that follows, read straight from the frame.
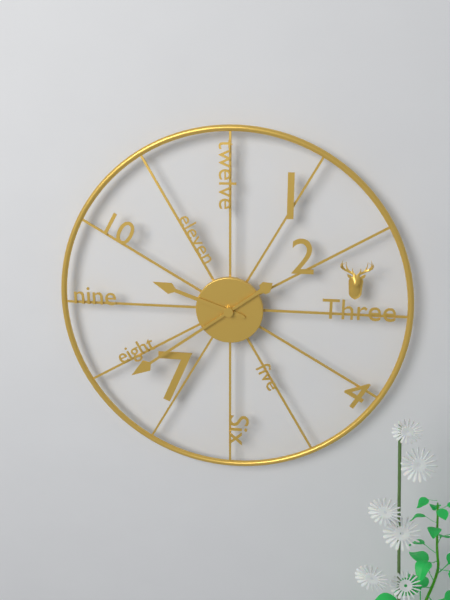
9:39
